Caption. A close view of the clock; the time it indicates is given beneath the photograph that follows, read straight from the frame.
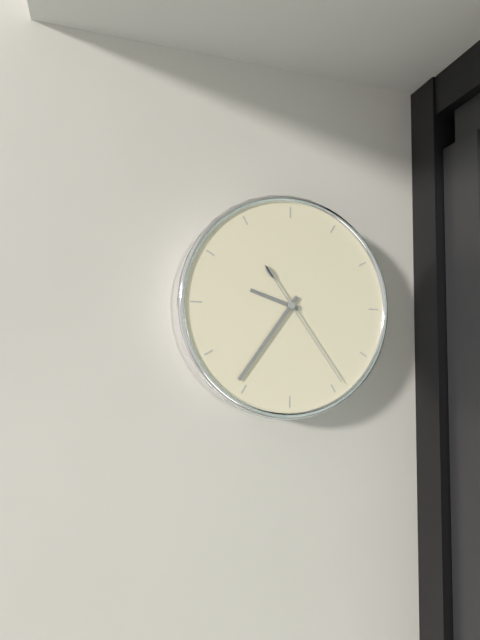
9:36:24
